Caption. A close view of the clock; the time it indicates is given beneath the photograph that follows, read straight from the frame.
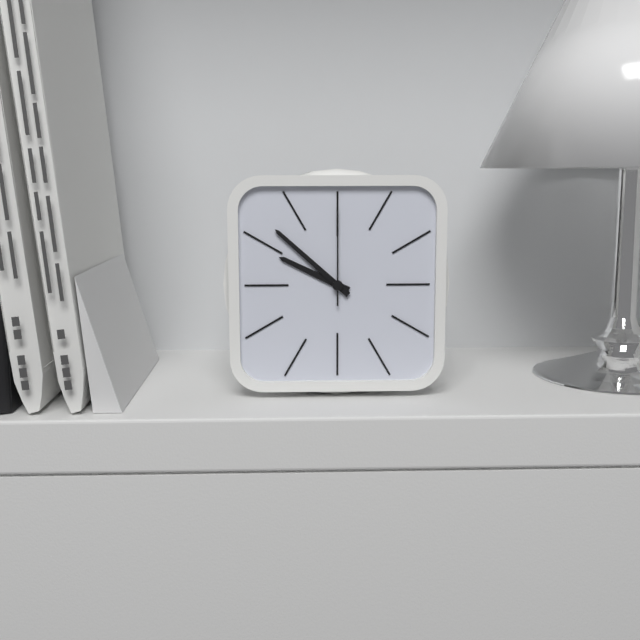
9:52:00
